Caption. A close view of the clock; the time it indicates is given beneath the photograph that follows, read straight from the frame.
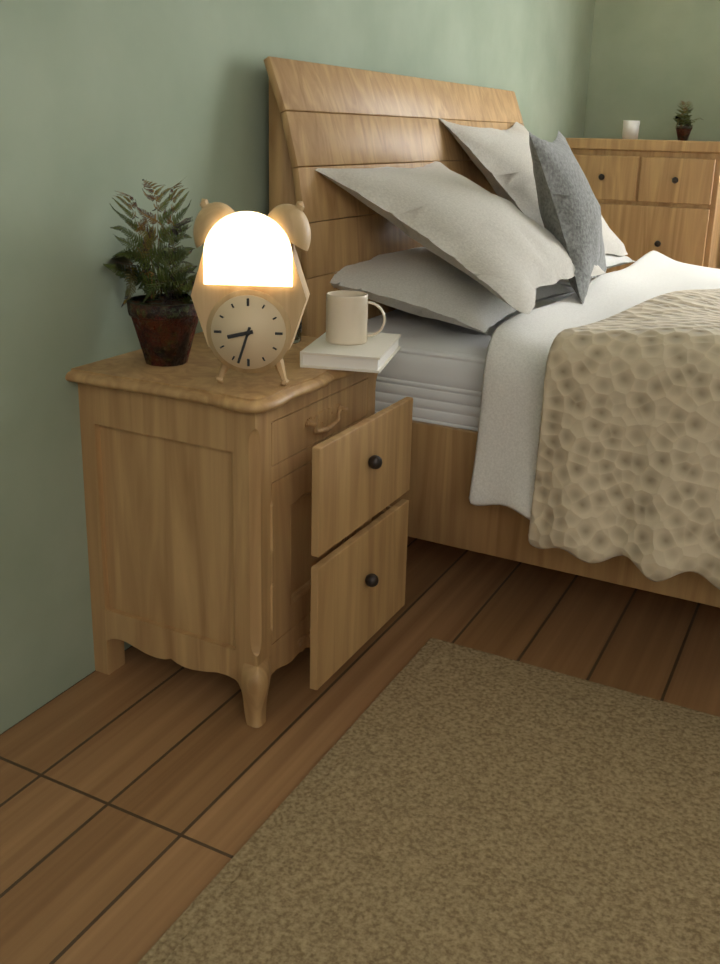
8:33
